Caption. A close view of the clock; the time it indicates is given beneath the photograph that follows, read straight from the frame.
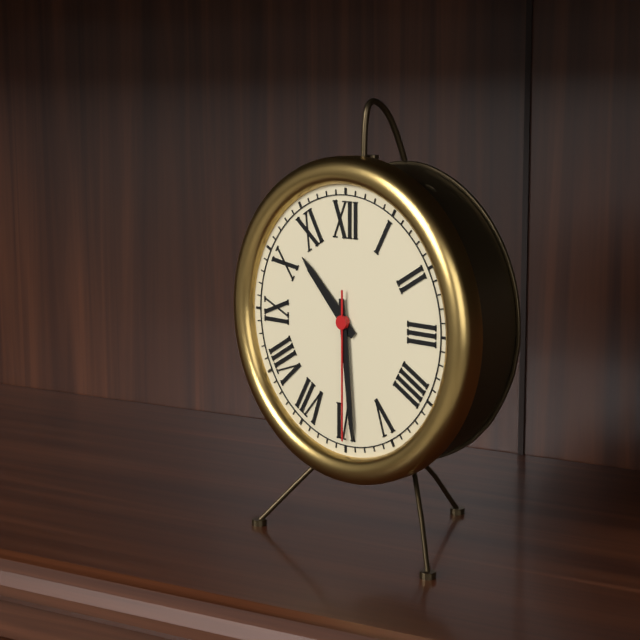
10:29:30
